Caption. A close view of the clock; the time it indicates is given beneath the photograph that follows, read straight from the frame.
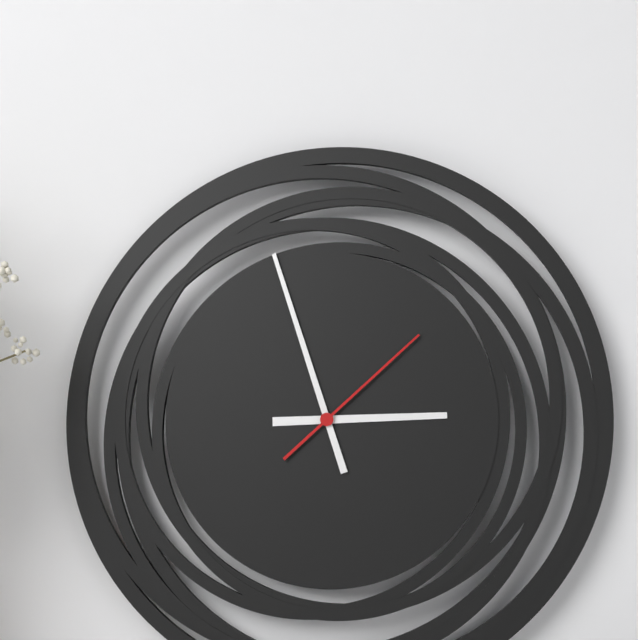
2:57:08
